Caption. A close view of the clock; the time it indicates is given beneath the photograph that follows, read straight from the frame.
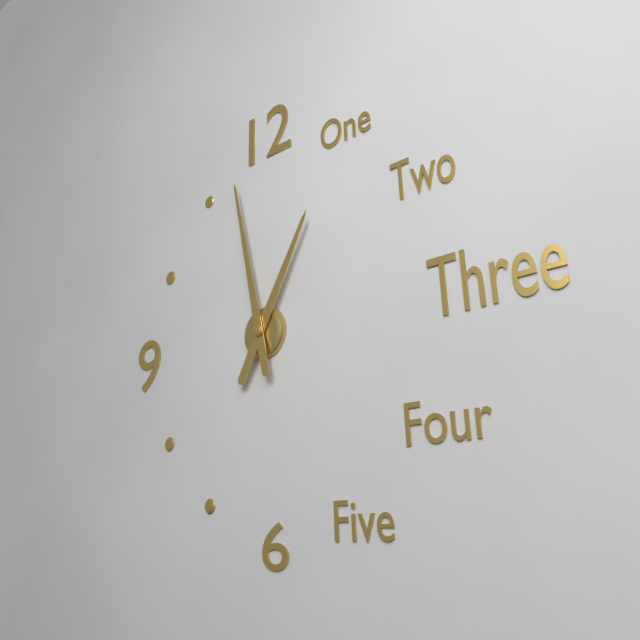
12:58
